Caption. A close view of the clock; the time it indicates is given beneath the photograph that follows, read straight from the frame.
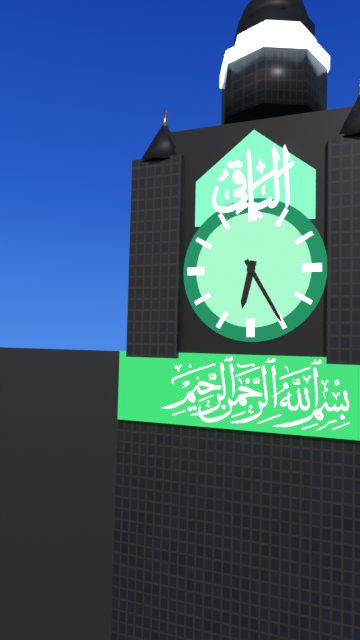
6:25
